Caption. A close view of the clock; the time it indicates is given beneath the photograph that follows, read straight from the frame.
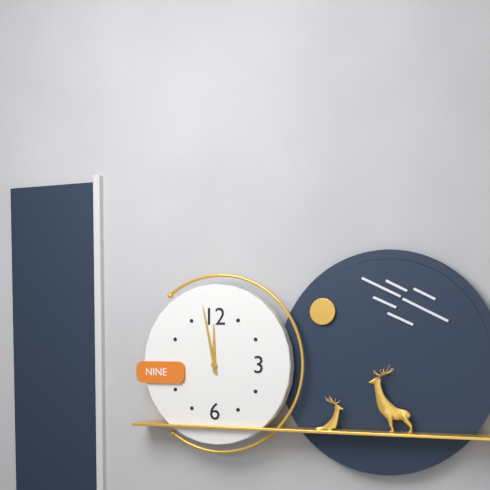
11:58
